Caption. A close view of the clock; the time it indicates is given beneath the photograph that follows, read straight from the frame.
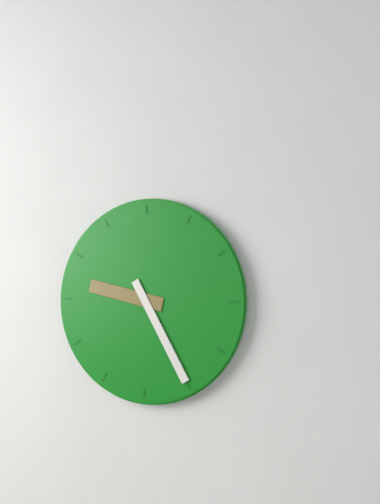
9:25
